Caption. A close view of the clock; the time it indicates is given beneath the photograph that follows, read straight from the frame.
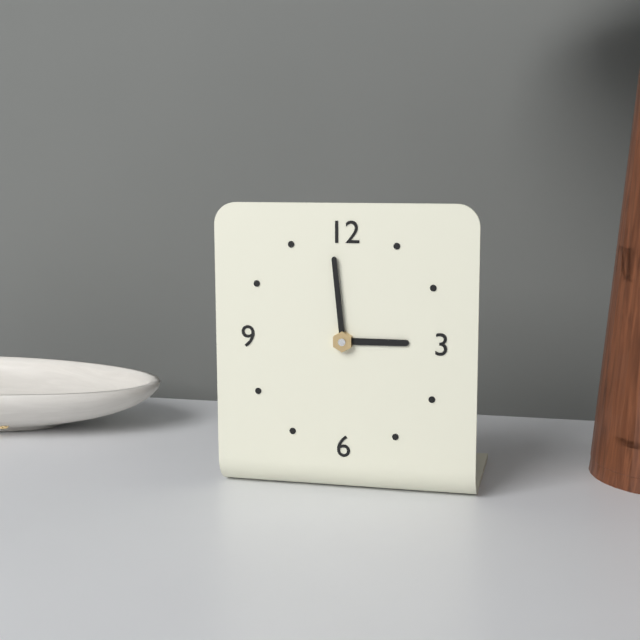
2:59
